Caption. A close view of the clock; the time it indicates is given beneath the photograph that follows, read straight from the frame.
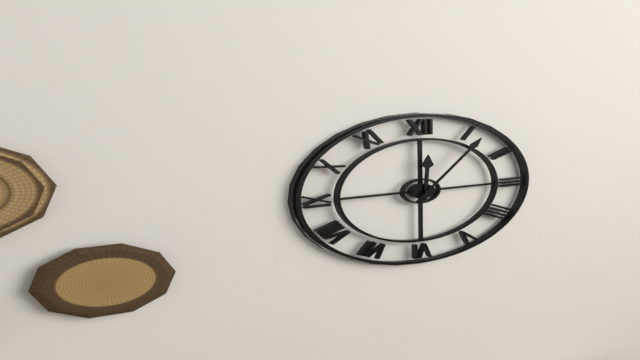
12:06
